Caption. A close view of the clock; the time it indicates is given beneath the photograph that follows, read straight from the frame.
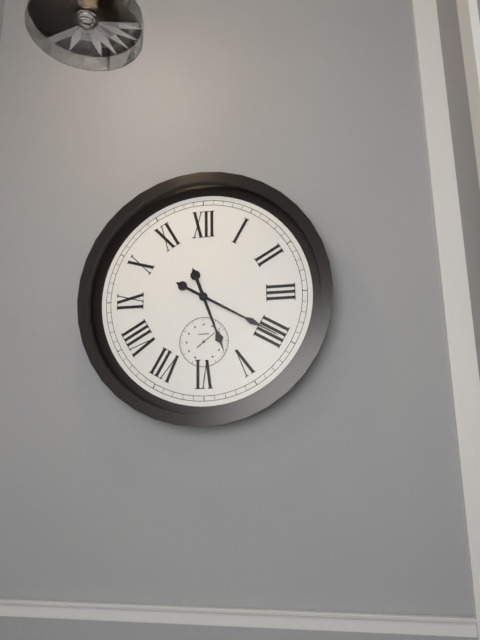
5:20
